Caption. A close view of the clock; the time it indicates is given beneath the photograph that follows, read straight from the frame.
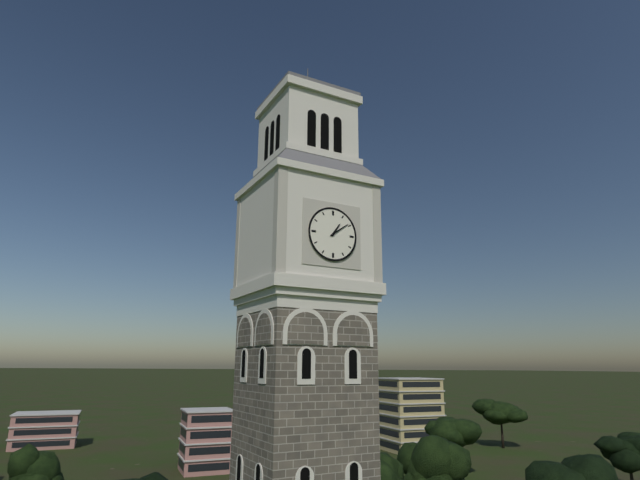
1:09
